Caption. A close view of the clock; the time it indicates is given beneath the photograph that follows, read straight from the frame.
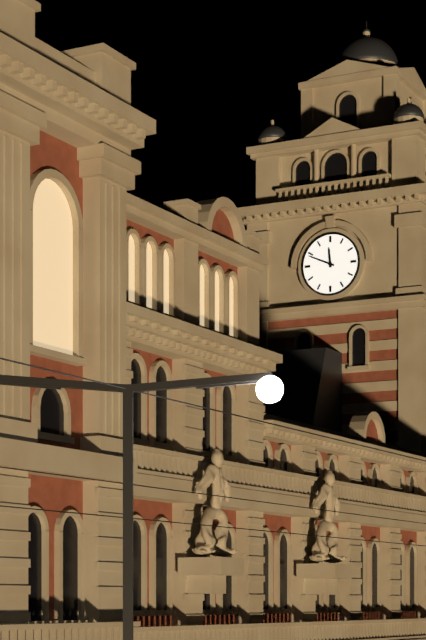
11:49
